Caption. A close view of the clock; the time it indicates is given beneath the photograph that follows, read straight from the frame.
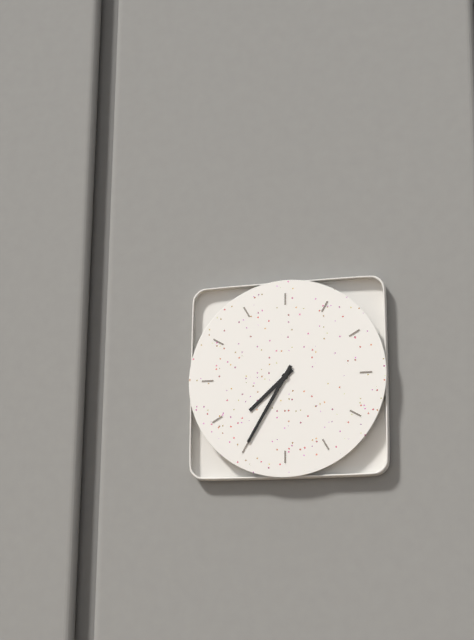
7:35
